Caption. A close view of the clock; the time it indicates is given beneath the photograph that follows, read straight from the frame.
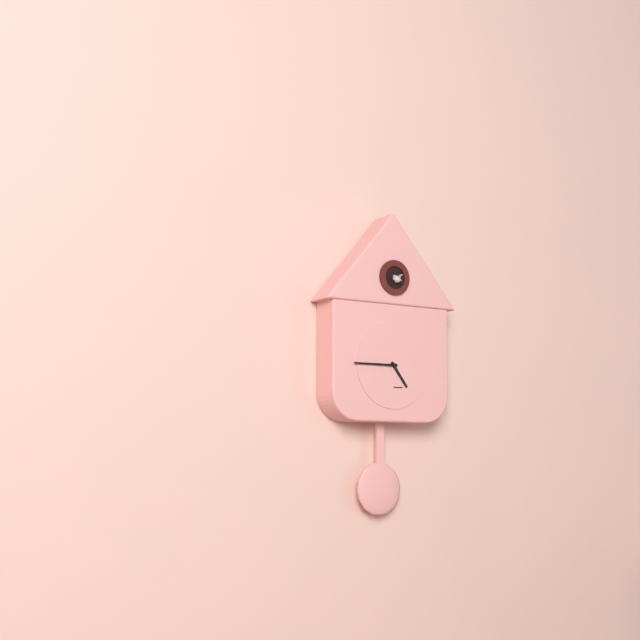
4:45
